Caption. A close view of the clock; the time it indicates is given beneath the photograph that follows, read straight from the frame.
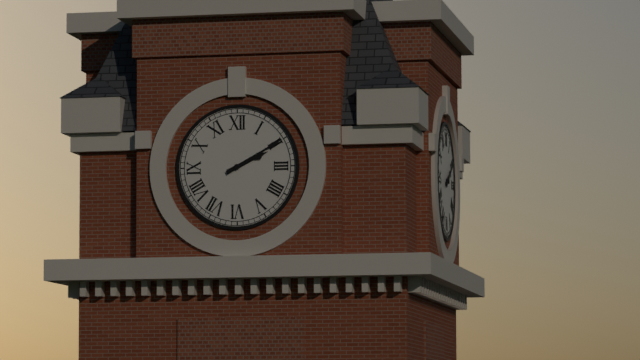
2:10
